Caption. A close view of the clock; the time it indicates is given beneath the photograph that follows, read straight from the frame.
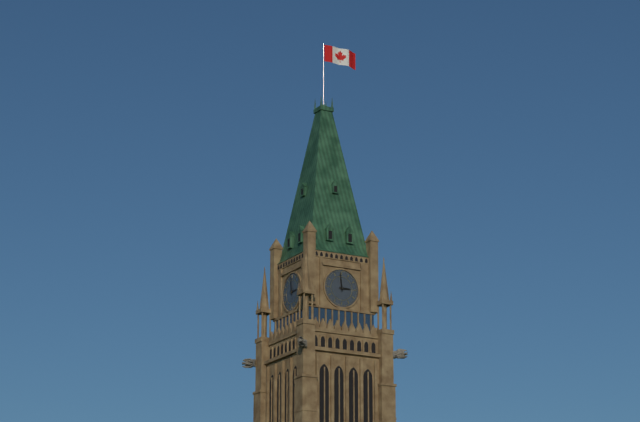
2:59
